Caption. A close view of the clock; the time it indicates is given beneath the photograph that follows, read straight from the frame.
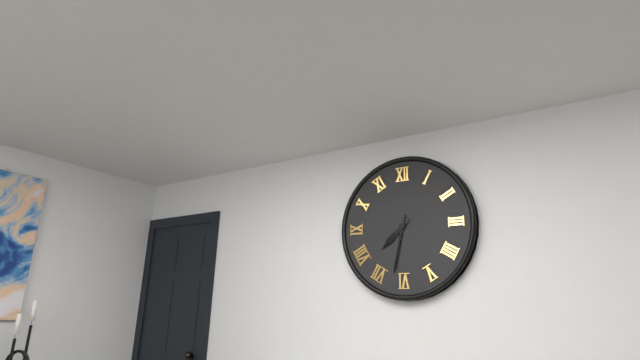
7:32
